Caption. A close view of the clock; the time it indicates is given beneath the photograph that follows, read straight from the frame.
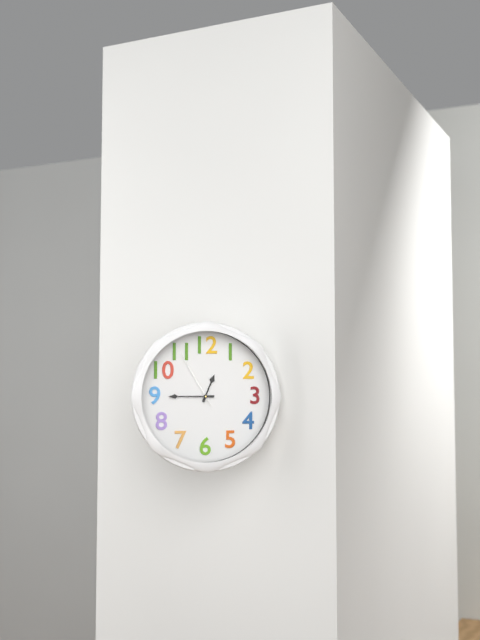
12:45:55
